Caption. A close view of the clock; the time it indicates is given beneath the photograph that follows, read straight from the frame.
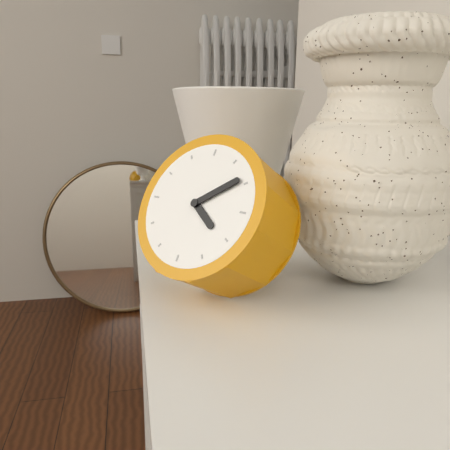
4:09
